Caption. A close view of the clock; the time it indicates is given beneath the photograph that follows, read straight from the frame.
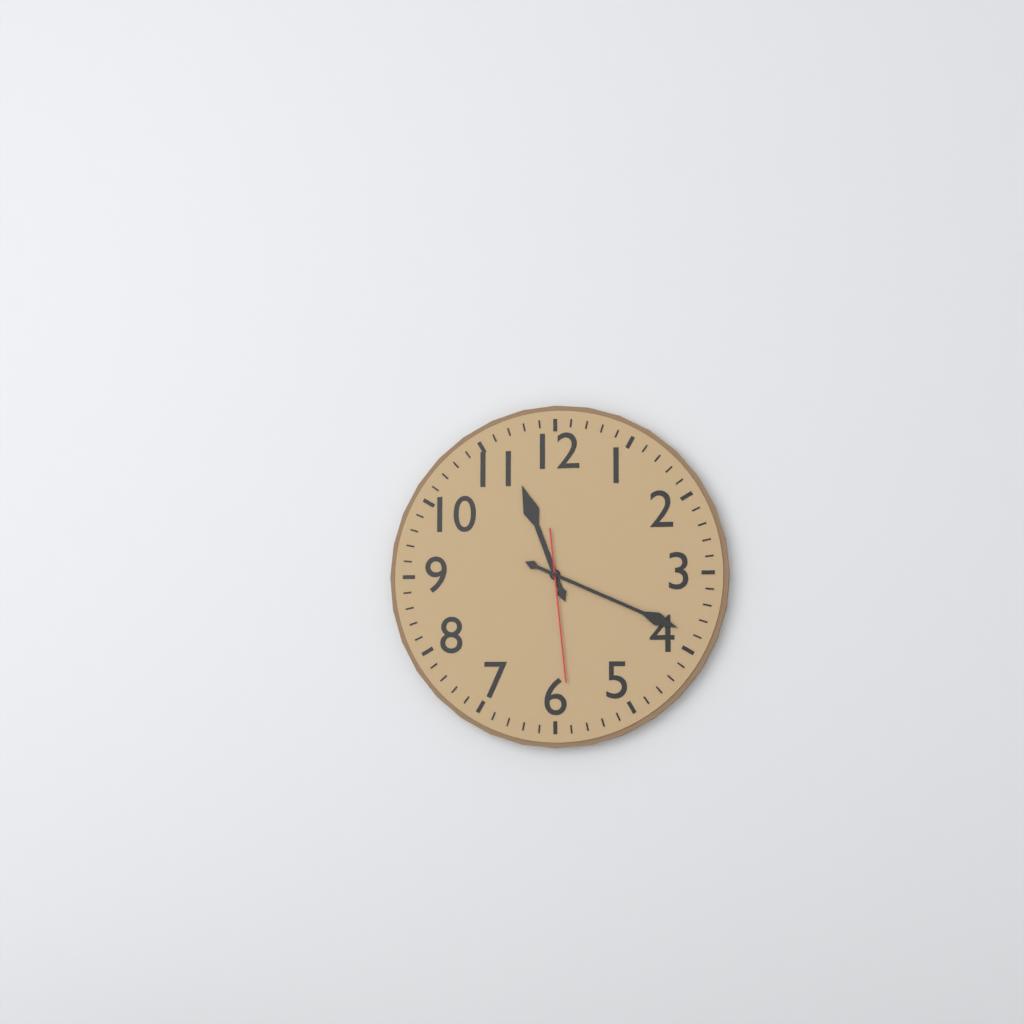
11:19:29
